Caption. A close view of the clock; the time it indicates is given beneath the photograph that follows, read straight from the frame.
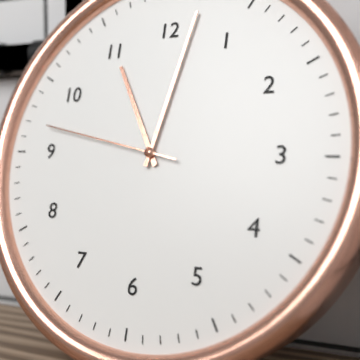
11:02:47
